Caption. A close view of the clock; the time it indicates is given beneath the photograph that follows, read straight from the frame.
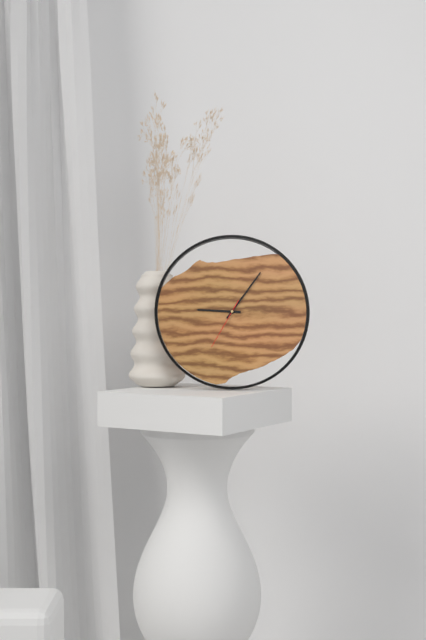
9:06:35
